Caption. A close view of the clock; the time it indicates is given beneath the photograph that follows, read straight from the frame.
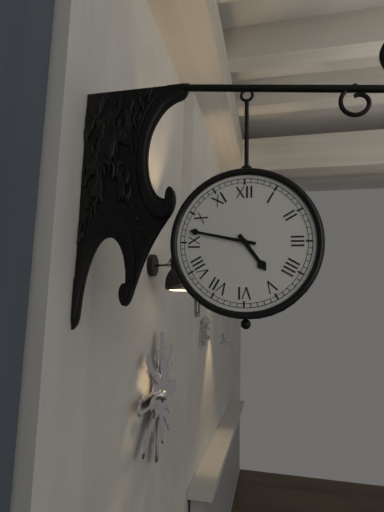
4:47
